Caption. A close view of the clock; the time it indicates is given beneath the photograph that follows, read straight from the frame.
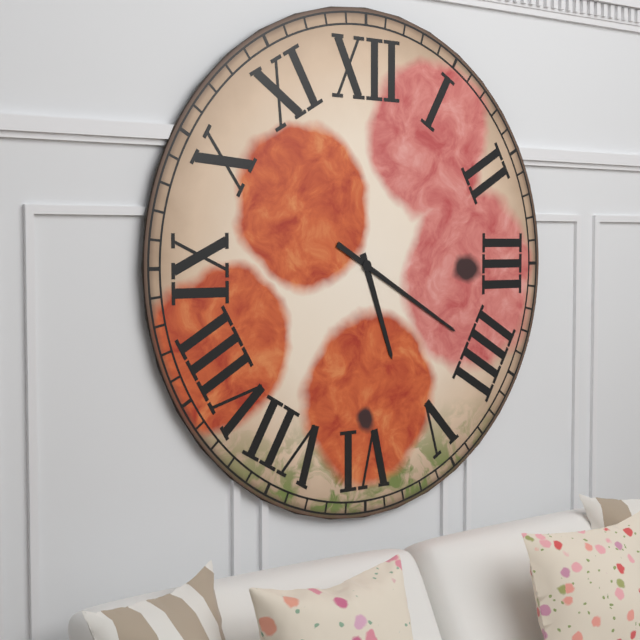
5:20
